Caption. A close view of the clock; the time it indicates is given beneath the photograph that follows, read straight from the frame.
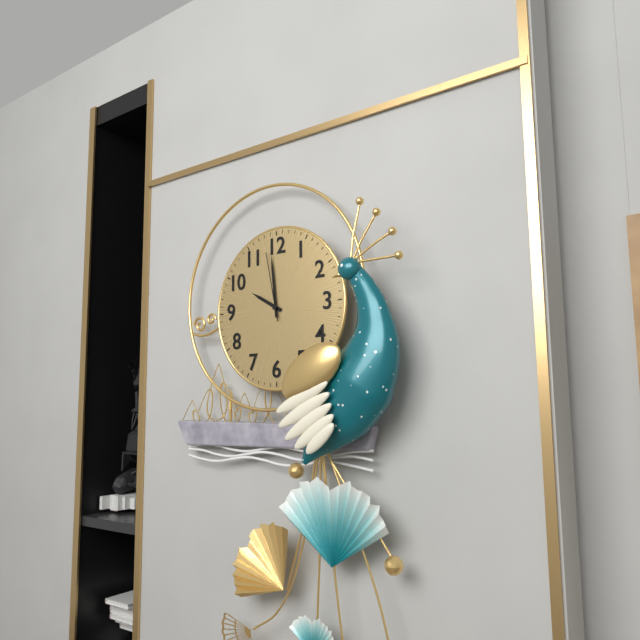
9:59:58
